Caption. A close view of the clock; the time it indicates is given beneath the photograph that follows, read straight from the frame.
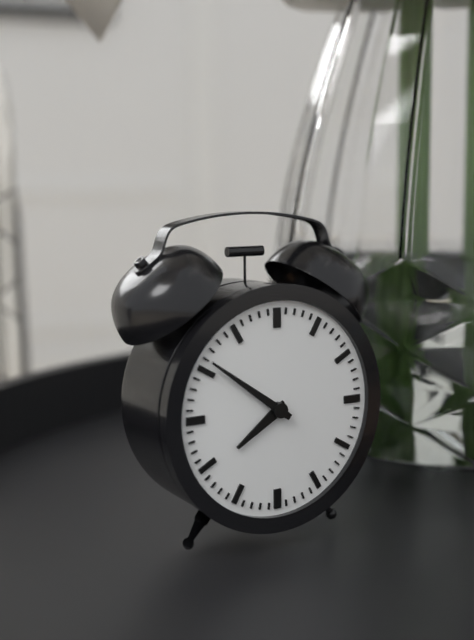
7:51
